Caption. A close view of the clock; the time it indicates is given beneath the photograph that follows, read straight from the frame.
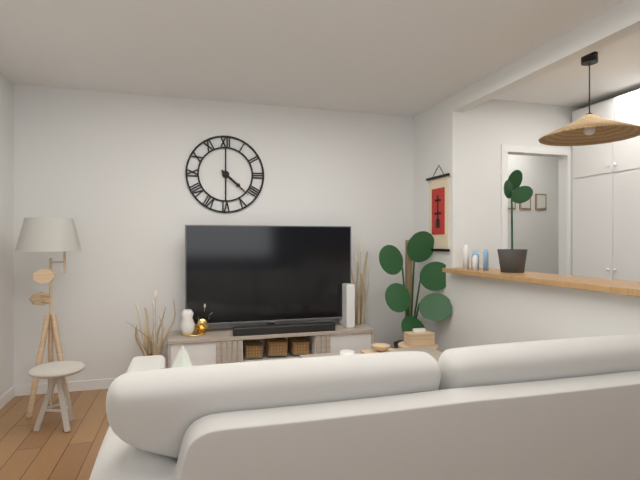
4:22
